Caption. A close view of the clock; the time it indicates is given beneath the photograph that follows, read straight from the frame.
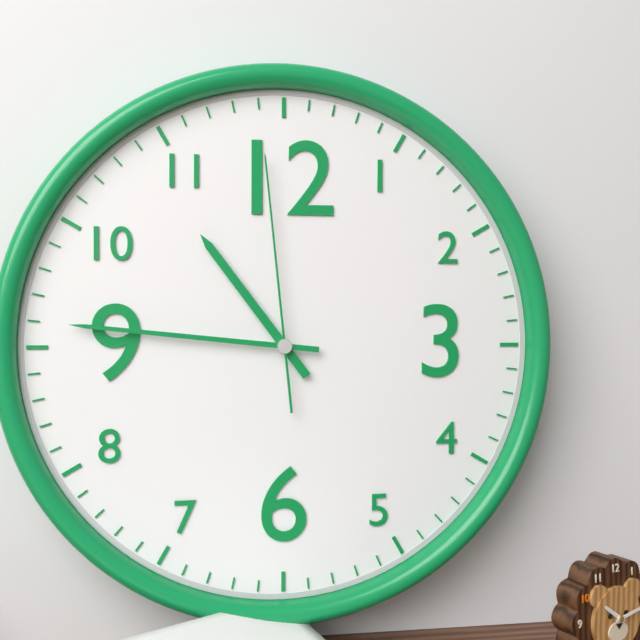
10:46:59
